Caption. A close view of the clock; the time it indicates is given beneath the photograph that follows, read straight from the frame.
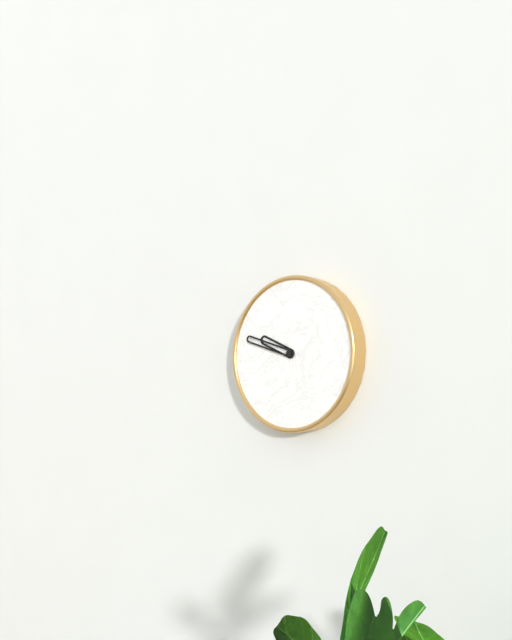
9:48
